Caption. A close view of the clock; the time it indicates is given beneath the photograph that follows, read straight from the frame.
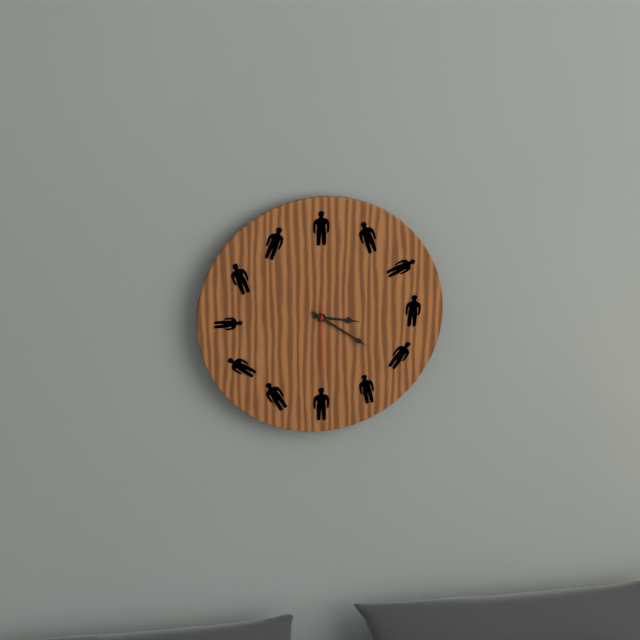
3:21:30
